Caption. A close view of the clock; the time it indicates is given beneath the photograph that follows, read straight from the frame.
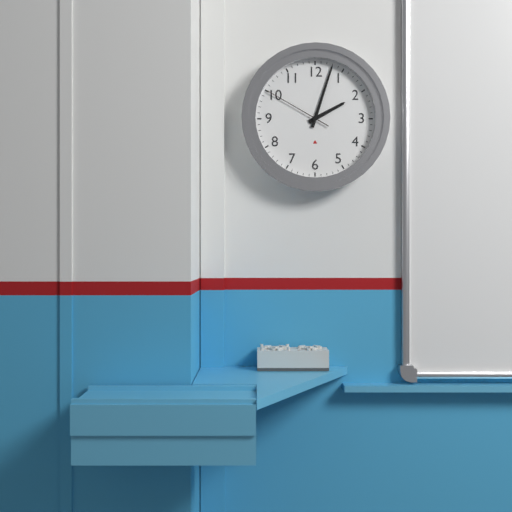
2:03:50
